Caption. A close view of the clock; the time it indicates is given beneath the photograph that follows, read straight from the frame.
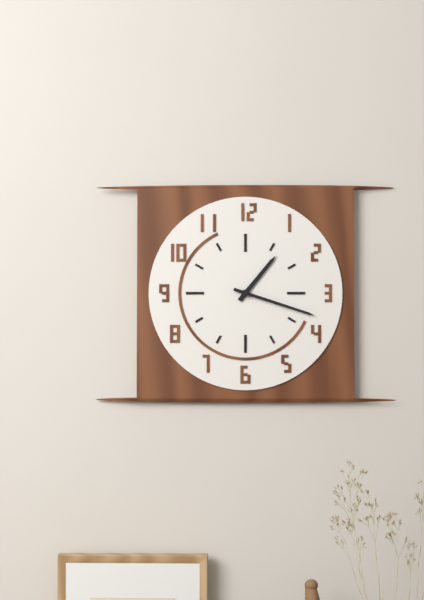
1:18
